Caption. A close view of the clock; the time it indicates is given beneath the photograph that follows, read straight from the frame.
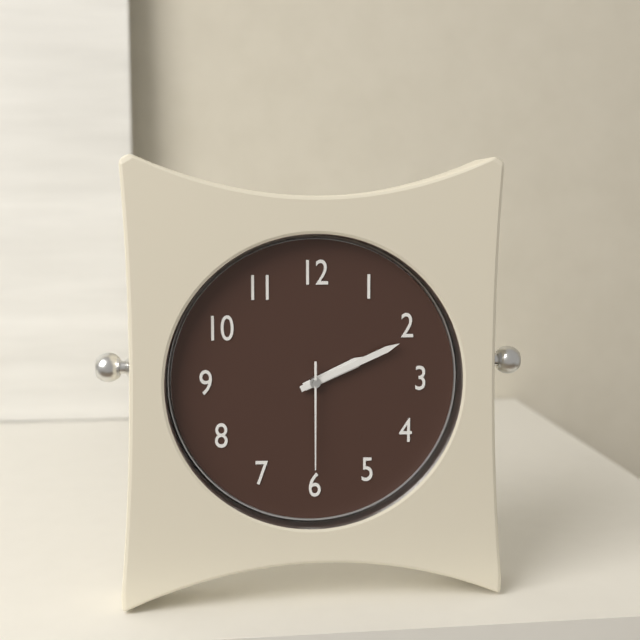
2:11:30
